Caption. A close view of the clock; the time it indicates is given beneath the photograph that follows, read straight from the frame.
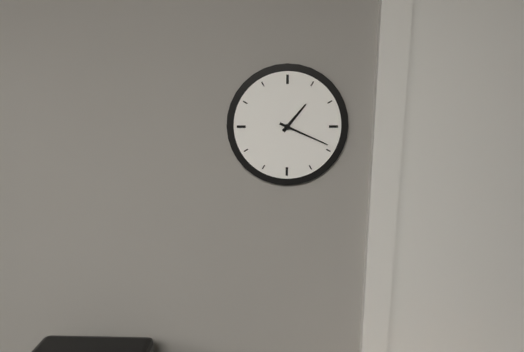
1:19
